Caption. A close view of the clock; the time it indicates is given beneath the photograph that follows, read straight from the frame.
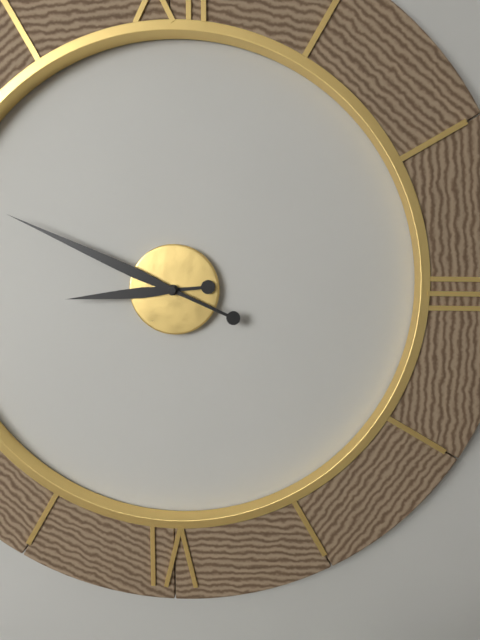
8:49
